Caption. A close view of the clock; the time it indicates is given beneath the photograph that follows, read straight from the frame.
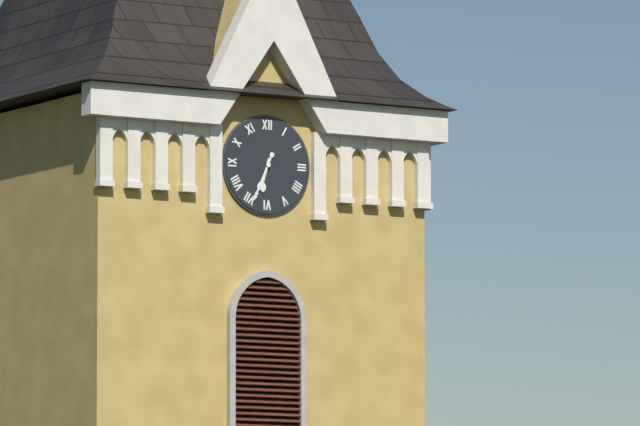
6:34
